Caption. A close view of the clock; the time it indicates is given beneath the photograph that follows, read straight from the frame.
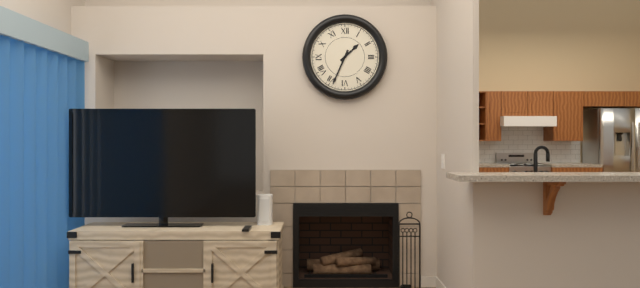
1:34
